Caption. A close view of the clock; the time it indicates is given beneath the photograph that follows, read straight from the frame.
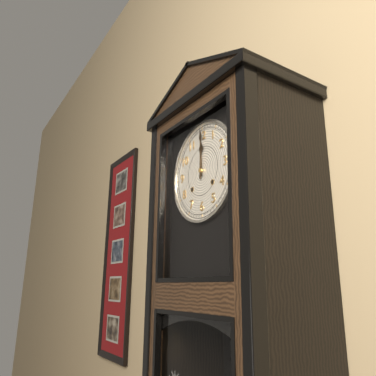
12:00
